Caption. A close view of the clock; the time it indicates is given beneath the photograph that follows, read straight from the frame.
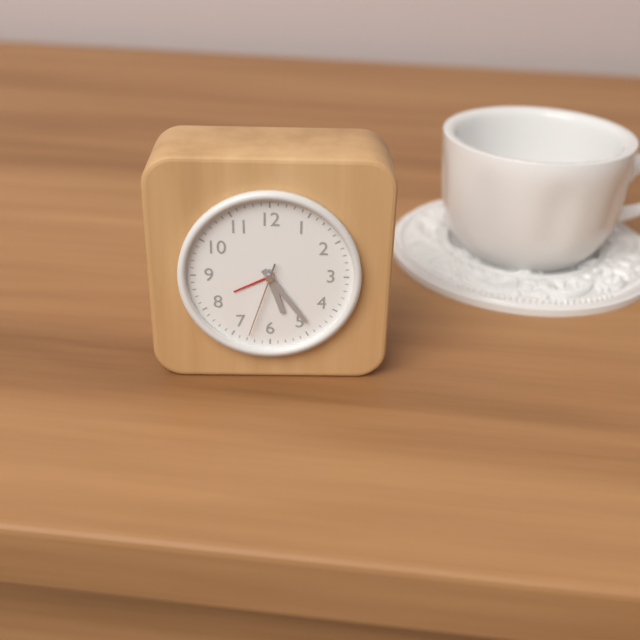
5:24:33
